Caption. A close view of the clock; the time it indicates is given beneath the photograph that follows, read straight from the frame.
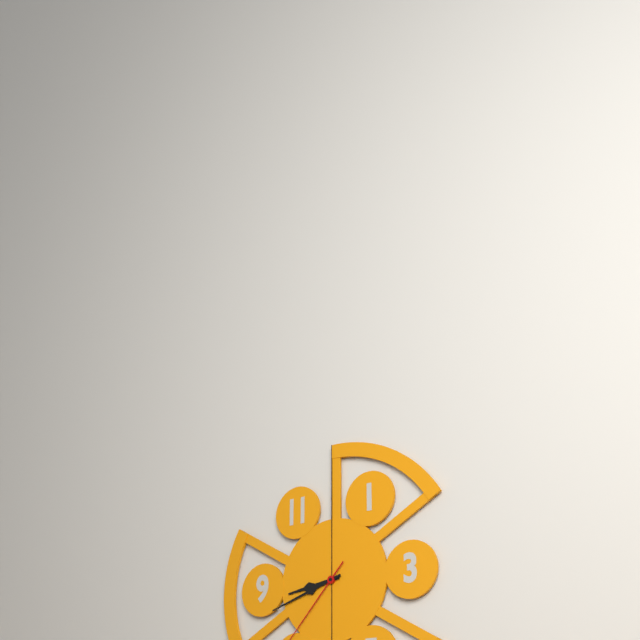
8:42
